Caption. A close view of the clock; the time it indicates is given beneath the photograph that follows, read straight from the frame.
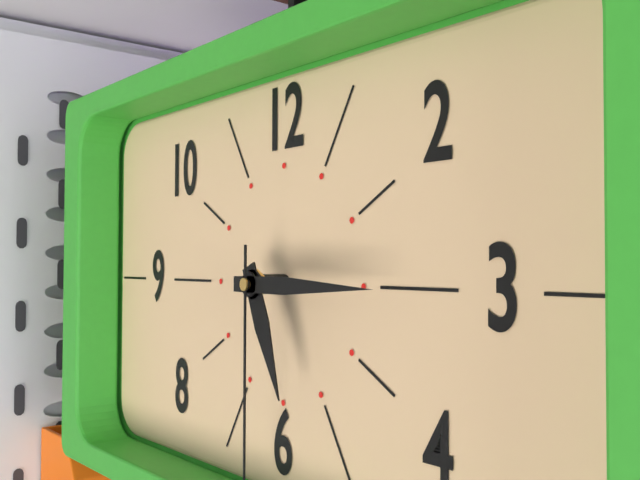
5:15
